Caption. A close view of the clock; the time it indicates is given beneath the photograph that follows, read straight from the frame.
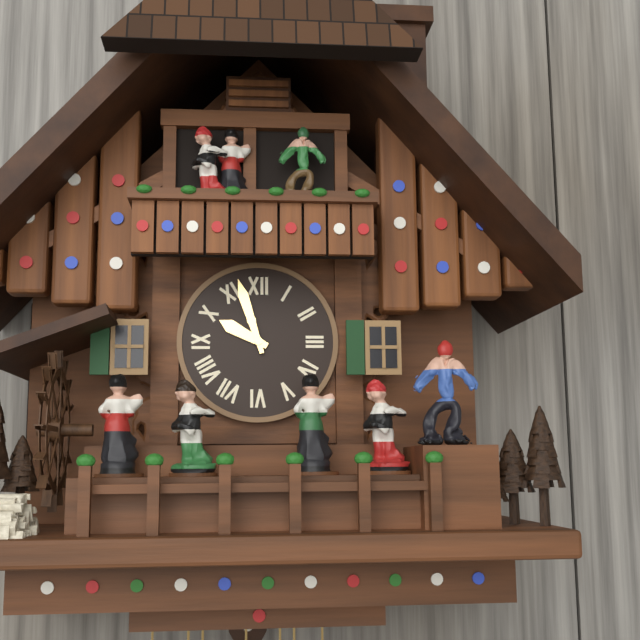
9:57
